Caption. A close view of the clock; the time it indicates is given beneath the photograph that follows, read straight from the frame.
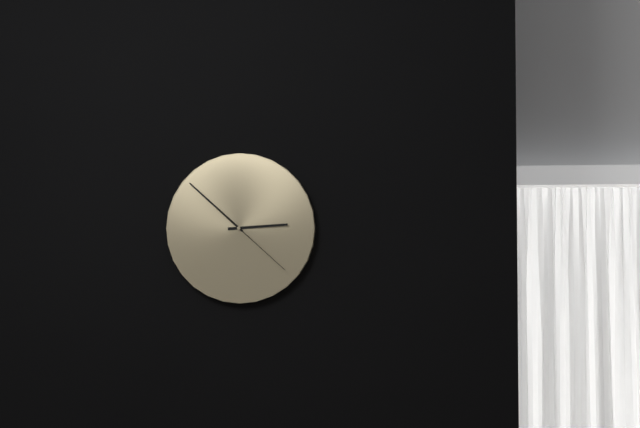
2:52:22
